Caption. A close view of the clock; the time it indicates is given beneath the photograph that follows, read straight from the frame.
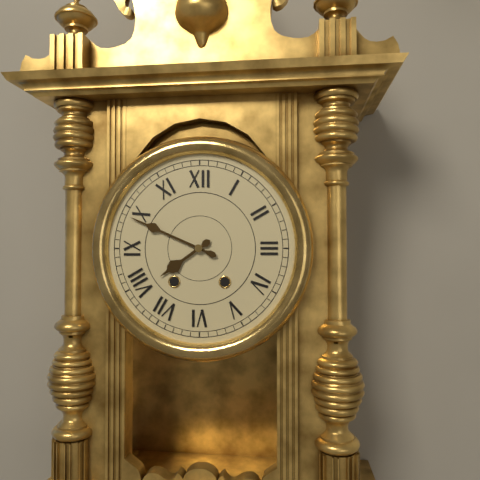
7:49
